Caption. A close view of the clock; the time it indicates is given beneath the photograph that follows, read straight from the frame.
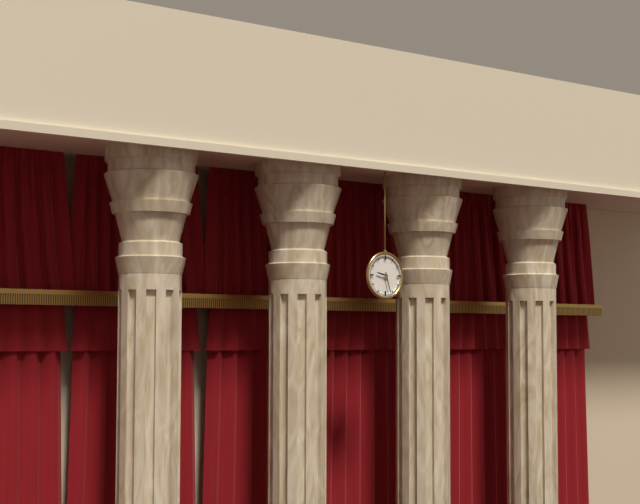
9:27
